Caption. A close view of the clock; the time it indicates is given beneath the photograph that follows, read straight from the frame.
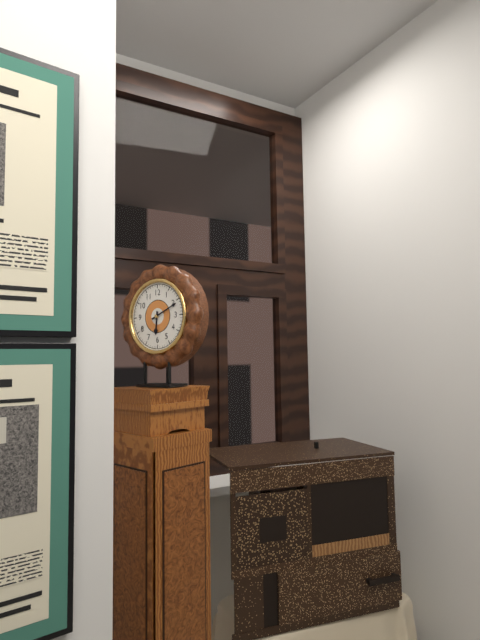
6:11
